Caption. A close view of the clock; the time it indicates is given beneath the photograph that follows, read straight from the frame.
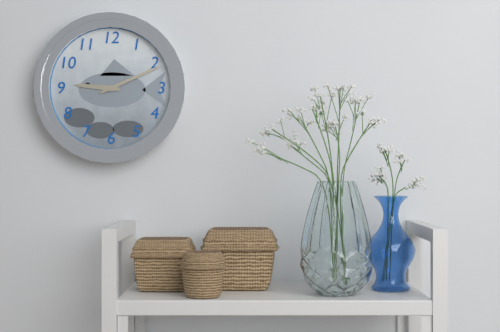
9:11
